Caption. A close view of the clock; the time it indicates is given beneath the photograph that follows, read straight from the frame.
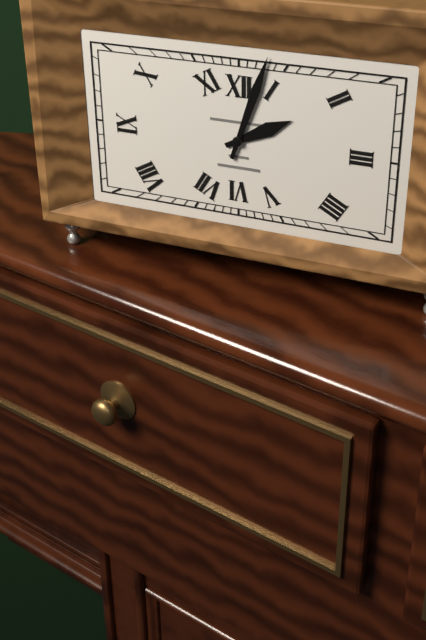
2:03
